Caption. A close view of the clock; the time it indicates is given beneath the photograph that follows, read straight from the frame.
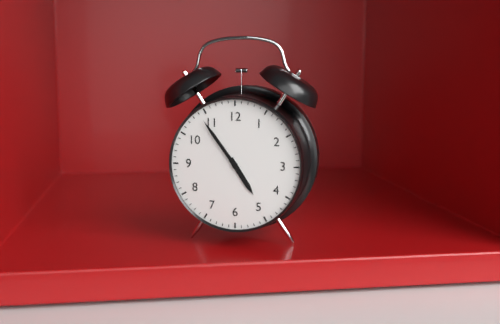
4:54
